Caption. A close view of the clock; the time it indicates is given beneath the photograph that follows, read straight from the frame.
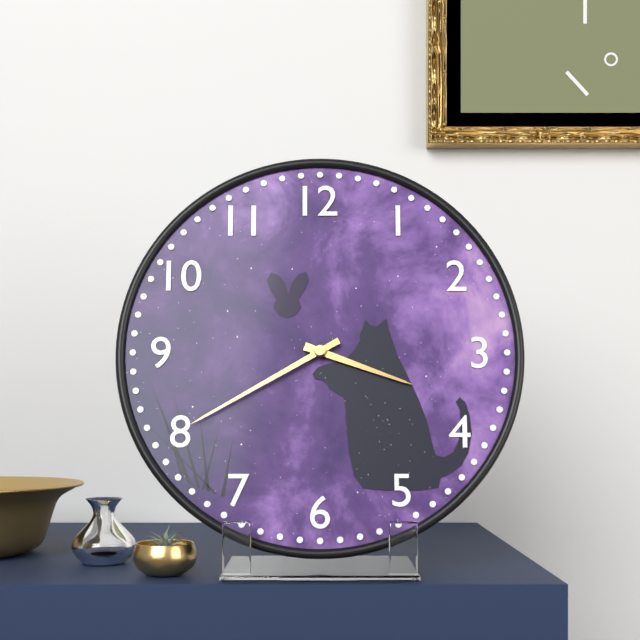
3:40
